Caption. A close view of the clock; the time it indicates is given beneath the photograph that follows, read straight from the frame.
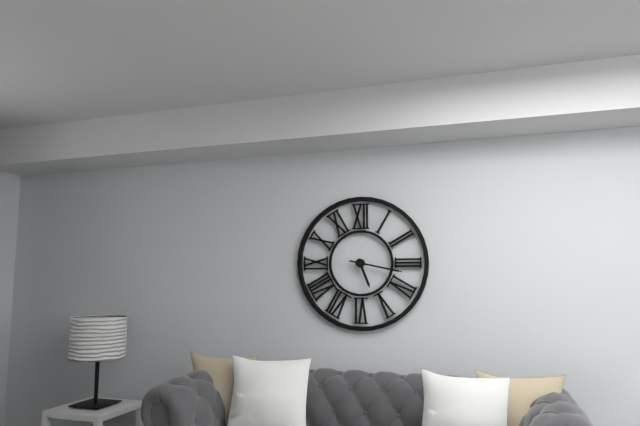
5:17
